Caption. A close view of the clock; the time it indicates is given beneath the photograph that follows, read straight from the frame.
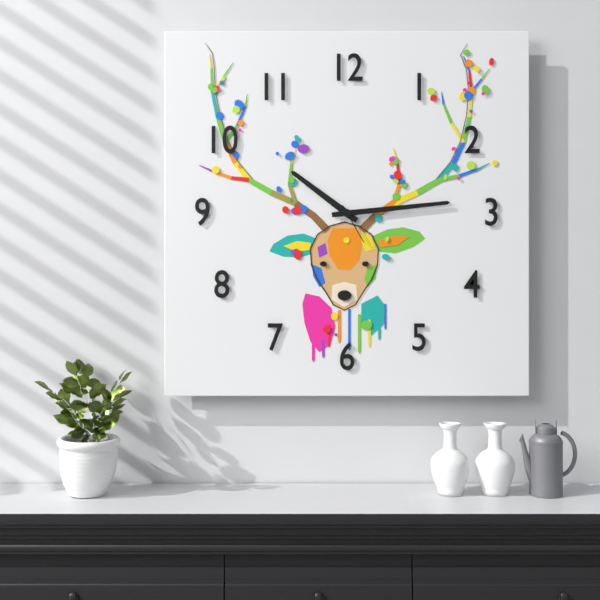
10:14
